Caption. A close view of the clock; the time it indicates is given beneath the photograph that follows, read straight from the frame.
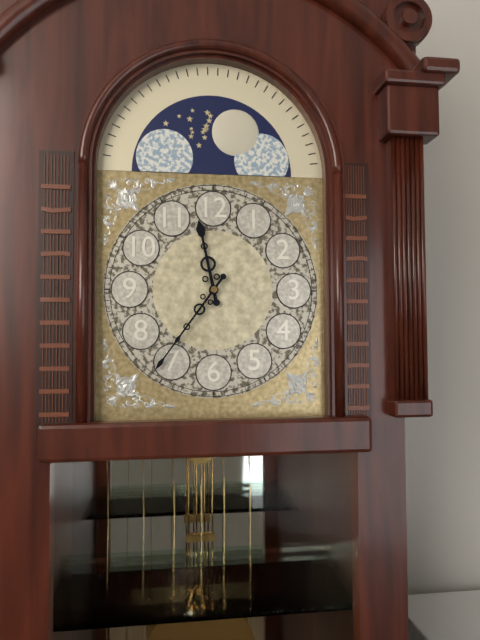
11:36
